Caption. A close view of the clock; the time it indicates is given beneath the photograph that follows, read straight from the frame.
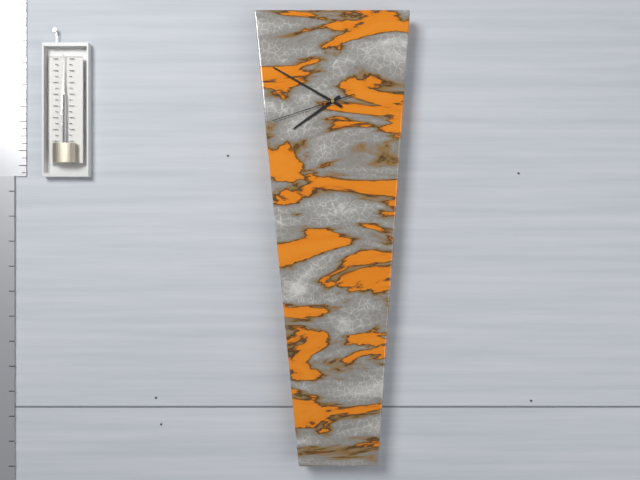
7:50:42
